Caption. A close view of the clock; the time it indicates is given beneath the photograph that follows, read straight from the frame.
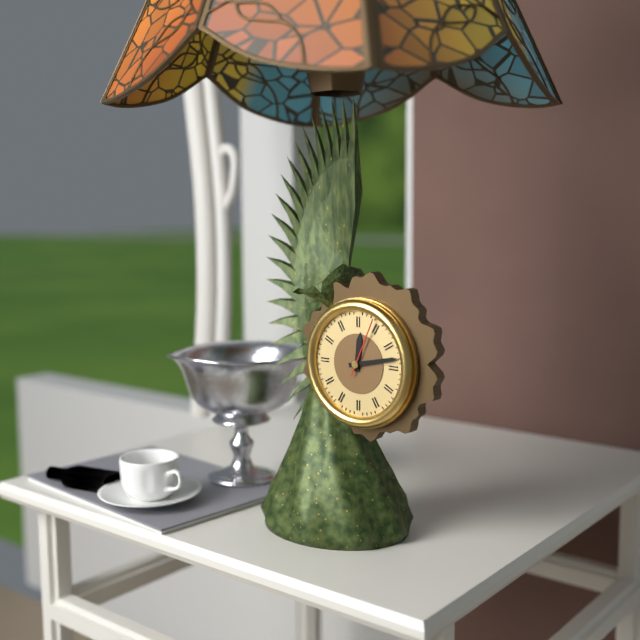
12:13:04
